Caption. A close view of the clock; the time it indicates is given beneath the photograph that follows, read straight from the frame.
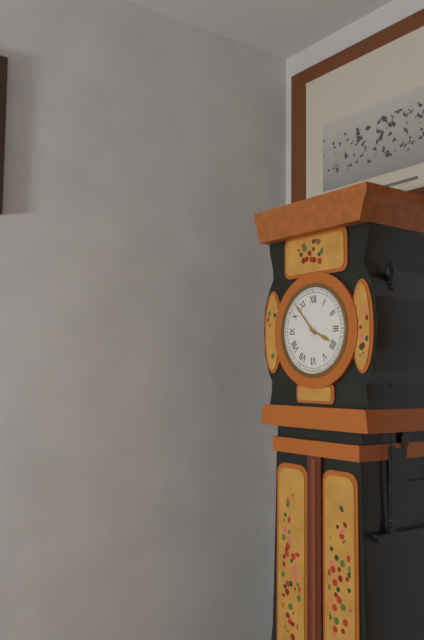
3:53
